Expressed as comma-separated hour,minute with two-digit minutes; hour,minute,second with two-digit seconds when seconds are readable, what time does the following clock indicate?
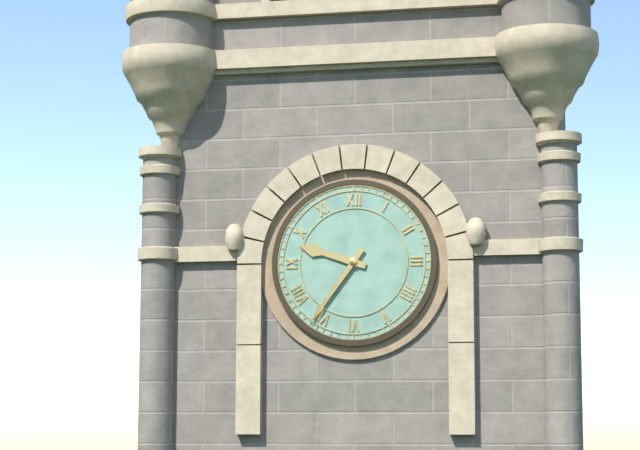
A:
9,36
